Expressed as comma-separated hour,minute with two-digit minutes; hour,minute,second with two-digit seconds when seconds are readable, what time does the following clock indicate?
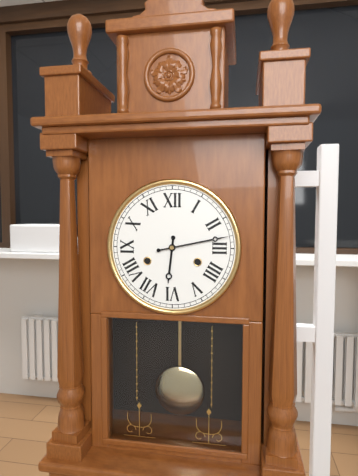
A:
6,13
